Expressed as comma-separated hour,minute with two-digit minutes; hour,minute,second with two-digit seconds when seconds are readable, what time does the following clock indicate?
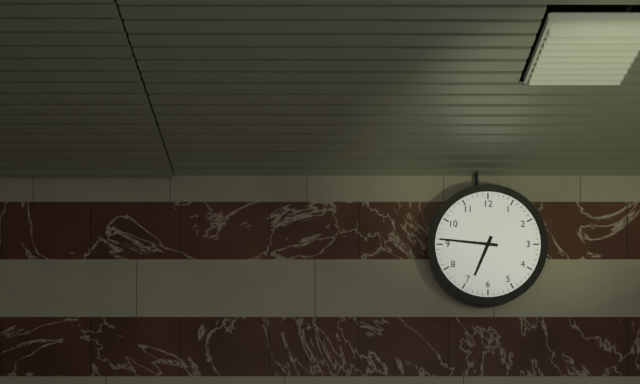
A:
6,46
